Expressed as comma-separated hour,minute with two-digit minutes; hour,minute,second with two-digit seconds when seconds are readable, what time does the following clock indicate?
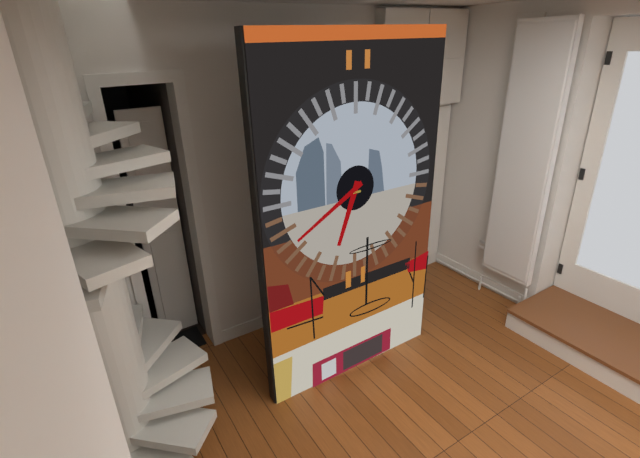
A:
6,40
